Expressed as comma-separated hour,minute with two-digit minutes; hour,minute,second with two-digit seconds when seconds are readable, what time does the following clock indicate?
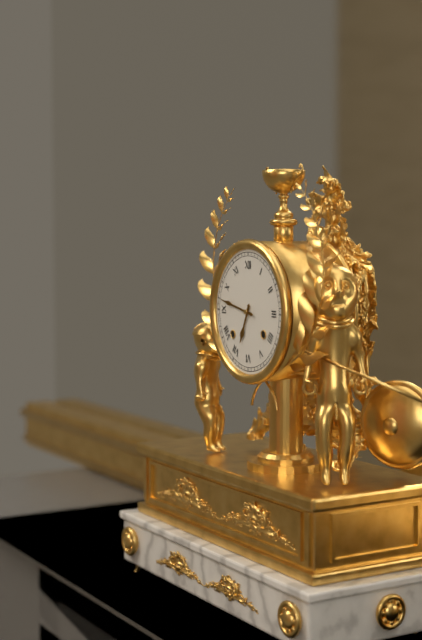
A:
6,47
